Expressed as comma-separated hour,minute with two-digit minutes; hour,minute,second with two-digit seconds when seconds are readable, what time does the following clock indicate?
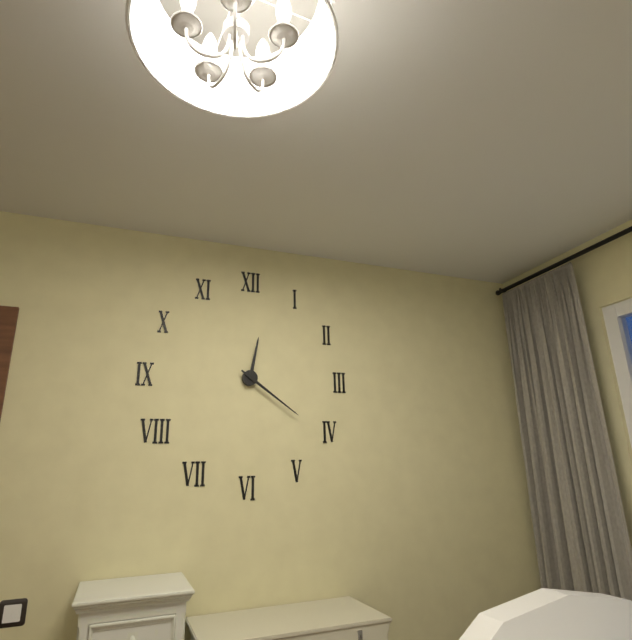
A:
12,21
